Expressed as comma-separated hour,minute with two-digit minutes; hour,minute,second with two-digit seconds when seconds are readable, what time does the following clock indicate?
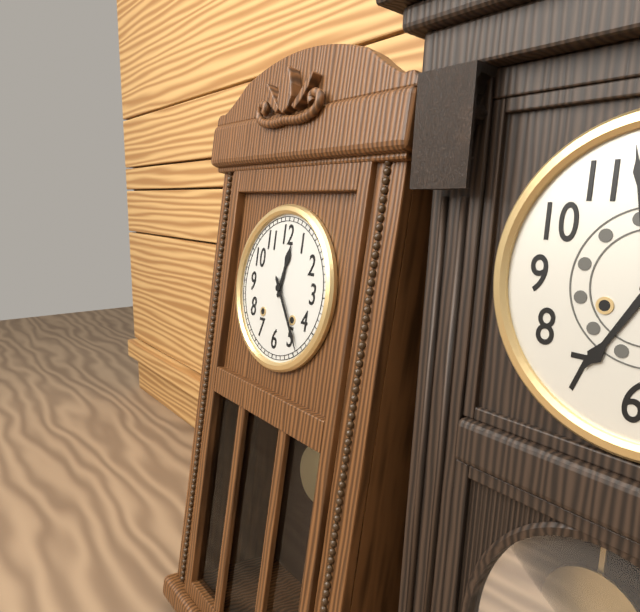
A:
12,24
